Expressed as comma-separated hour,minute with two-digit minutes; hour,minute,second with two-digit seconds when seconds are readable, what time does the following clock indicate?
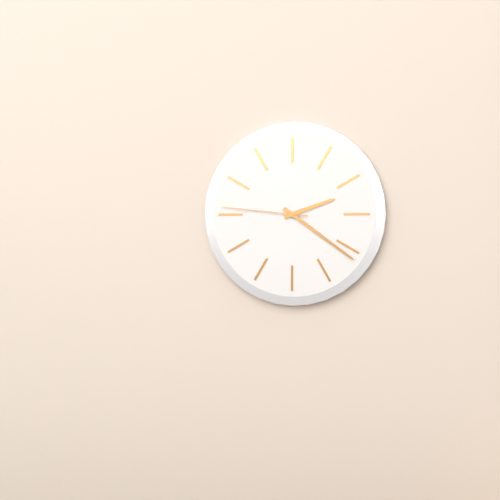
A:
2,21,46
